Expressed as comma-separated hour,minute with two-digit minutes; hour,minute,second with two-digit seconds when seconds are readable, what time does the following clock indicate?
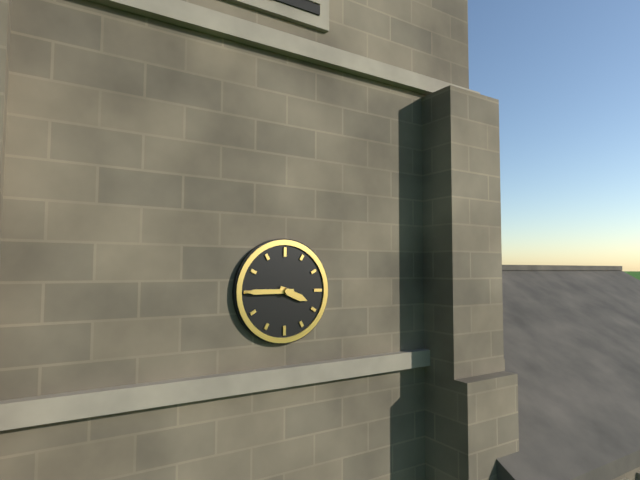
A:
3,45
